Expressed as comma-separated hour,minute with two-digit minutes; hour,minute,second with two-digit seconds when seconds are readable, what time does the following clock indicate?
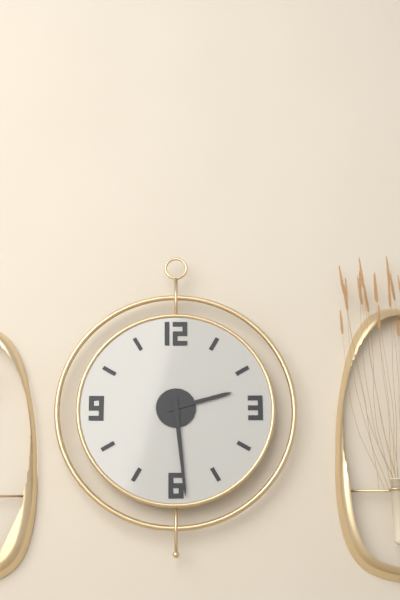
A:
2,29
